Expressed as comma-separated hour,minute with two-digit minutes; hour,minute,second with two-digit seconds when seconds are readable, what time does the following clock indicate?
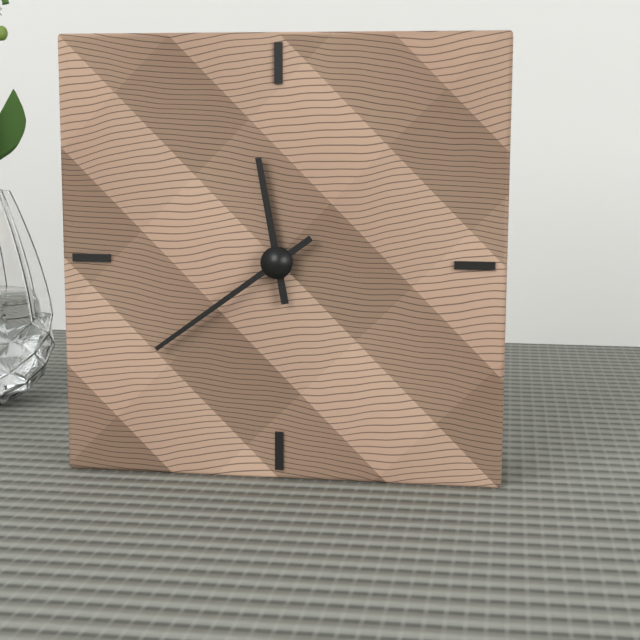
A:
11,39
